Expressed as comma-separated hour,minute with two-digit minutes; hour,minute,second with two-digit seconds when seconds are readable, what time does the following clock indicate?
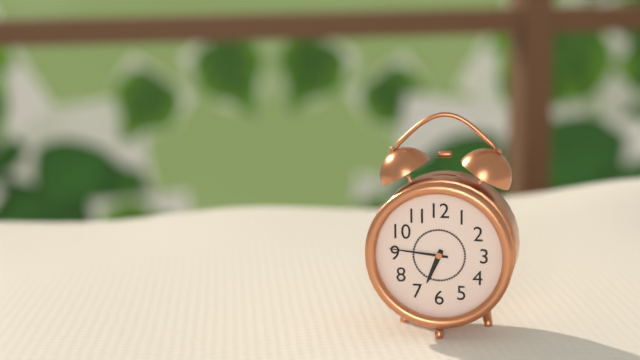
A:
6,46
